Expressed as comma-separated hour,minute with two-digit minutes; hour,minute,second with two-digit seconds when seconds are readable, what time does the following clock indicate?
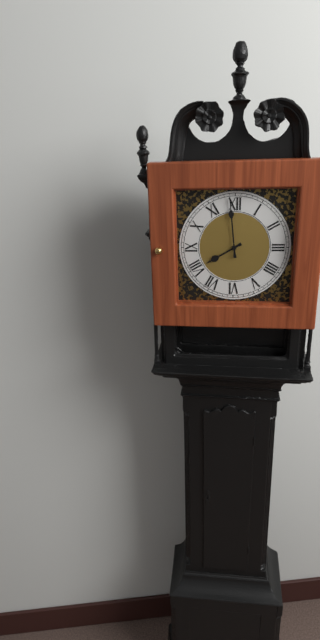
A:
7,59
